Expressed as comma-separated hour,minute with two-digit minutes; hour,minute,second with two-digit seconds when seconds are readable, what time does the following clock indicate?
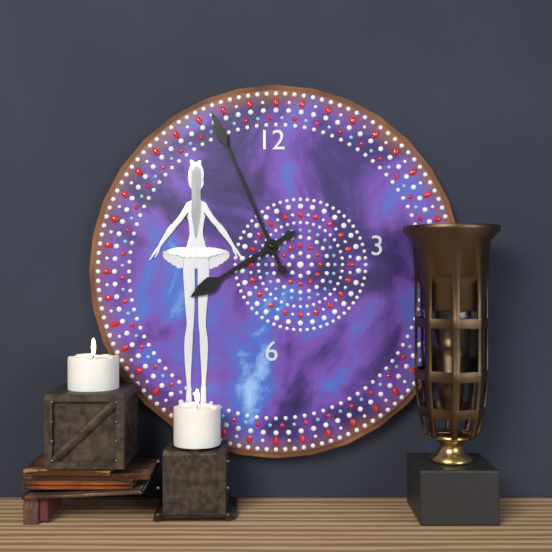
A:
7,56
